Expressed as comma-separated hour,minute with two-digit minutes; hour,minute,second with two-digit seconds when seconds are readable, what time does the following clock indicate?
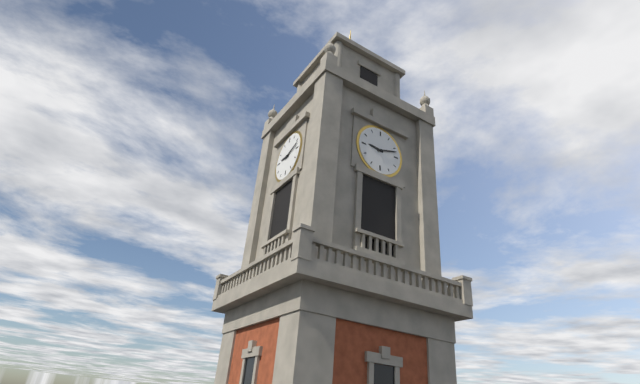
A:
9,12
